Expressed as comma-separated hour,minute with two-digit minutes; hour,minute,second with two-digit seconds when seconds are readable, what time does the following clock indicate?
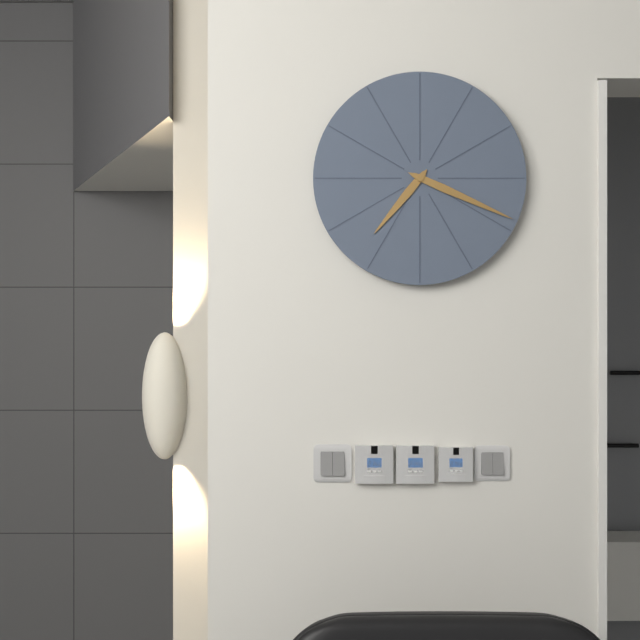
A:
7,19
